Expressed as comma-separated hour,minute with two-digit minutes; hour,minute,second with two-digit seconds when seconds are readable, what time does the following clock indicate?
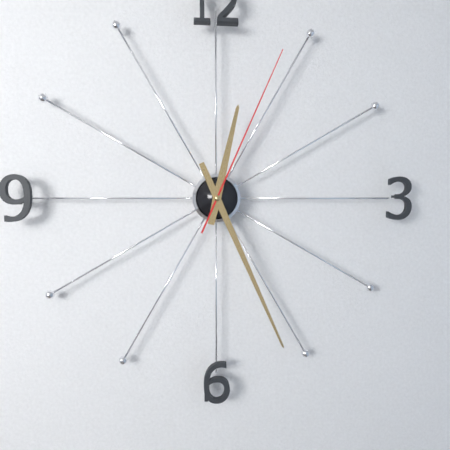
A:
12,26,04
